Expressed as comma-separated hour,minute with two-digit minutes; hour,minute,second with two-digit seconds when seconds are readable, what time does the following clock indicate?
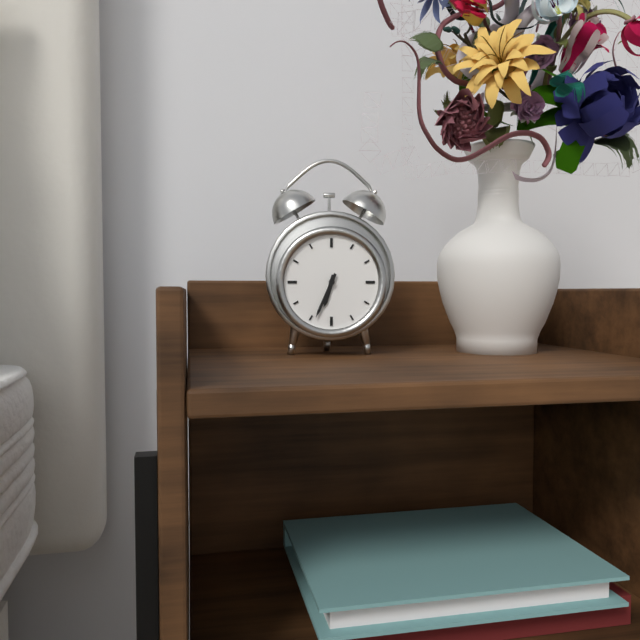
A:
6,34
